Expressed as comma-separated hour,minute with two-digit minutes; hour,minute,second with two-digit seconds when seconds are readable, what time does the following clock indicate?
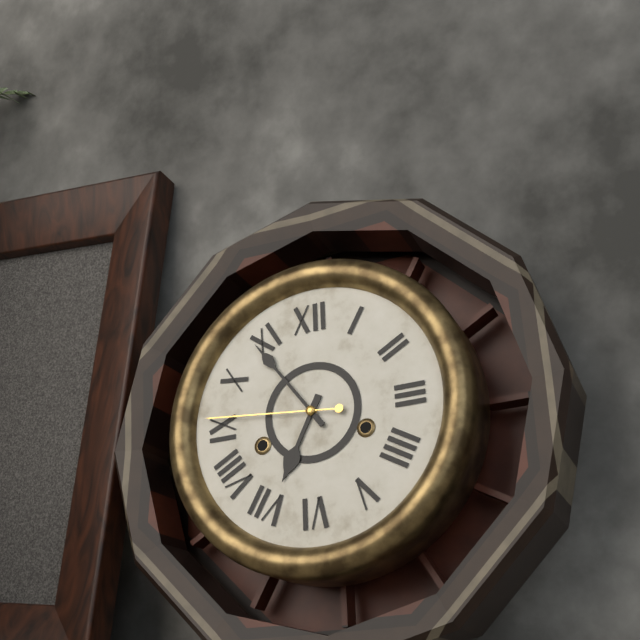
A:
6,54,46
